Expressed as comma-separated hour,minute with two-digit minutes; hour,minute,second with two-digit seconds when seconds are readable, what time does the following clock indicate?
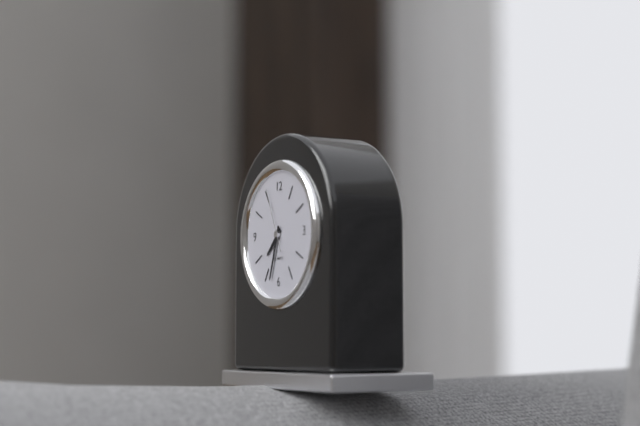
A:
7,33,56
